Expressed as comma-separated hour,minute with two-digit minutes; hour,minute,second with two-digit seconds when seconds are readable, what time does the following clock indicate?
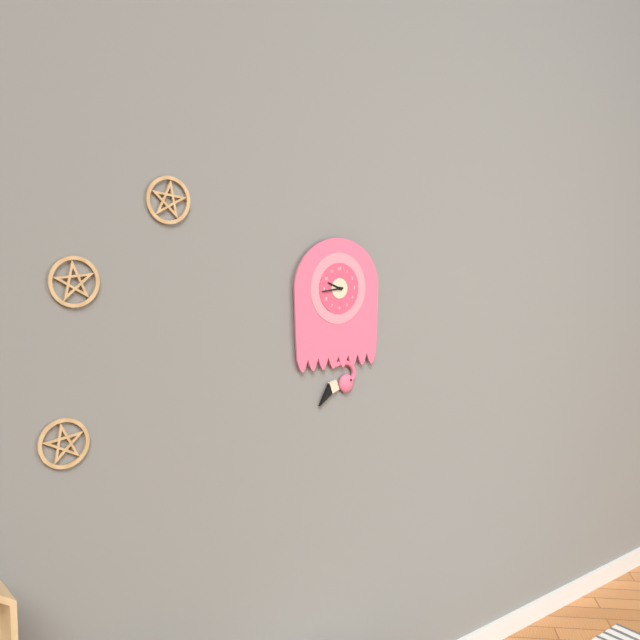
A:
9,44
